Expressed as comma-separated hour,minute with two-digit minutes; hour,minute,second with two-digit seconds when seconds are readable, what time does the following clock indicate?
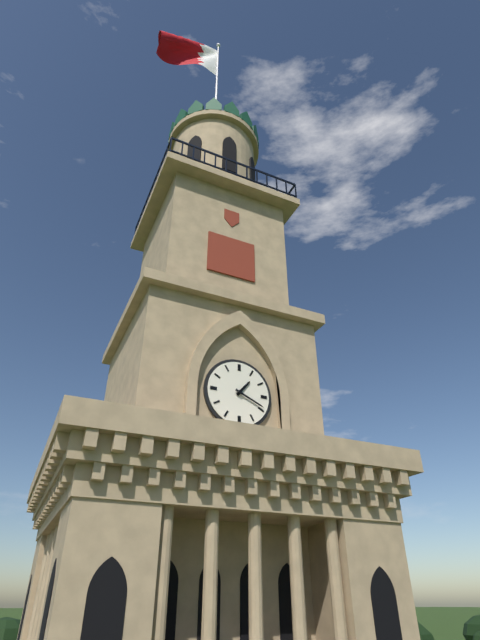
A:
1,19
